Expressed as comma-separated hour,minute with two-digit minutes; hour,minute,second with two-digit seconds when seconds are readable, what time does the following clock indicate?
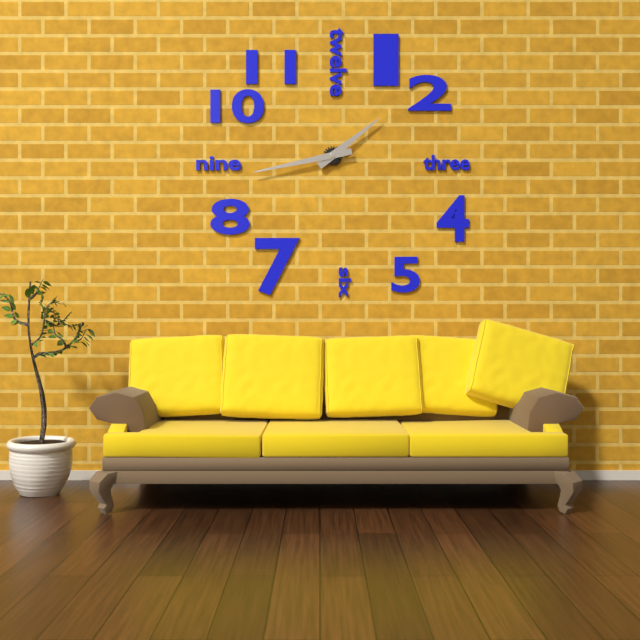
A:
1,43
